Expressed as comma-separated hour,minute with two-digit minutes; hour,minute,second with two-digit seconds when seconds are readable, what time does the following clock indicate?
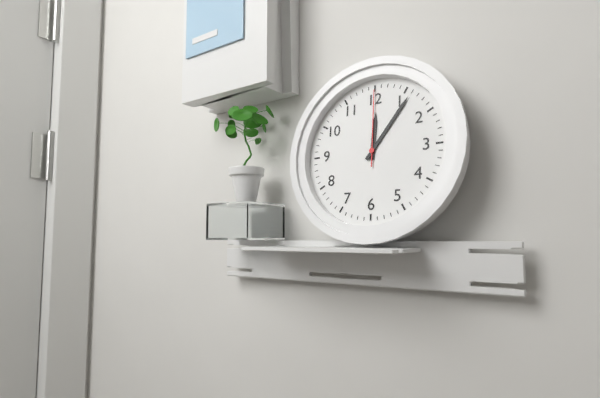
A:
12,06,00
